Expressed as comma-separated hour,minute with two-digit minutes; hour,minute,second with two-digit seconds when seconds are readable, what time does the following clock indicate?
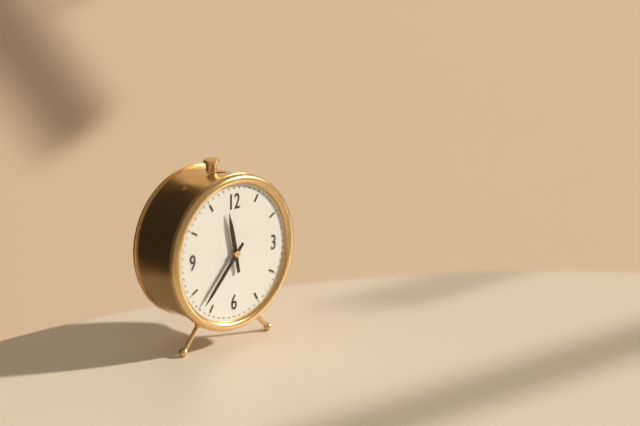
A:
11,37
